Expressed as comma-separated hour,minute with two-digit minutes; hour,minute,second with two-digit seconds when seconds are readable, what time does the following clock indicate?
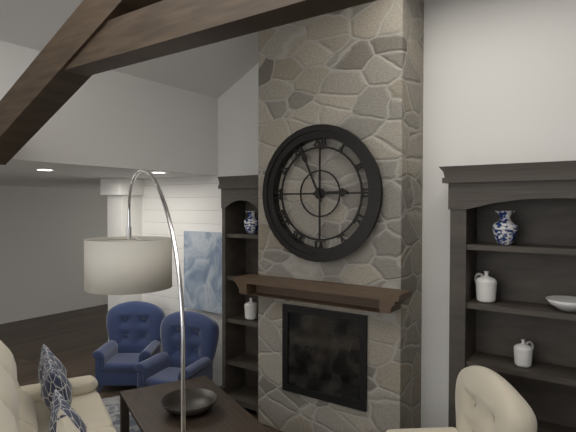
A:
2,56
